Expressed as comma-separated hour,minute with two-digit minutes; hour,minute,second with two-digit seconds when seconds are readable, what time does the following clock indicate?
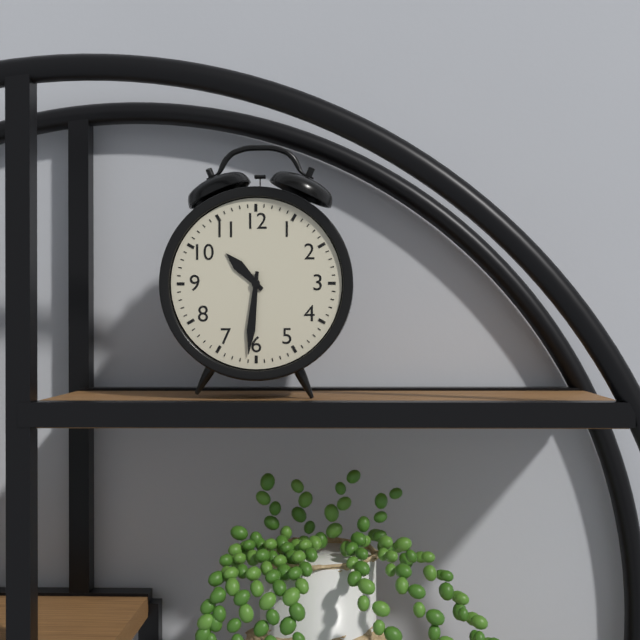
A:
10,31
